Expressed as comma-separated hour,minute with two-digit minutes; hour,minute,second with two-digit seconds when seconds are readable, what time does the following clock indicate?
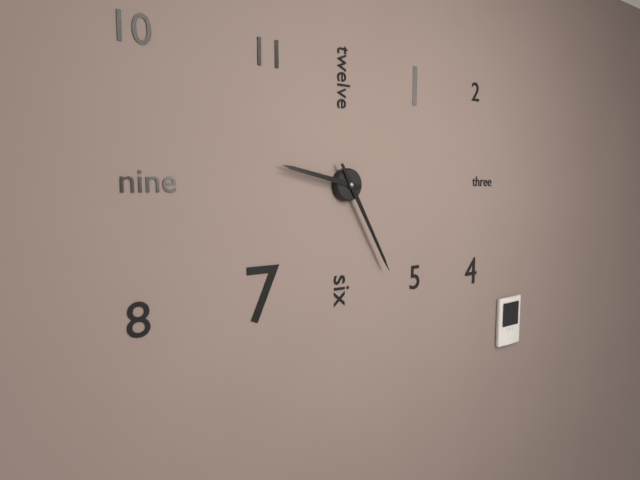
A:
9,25
